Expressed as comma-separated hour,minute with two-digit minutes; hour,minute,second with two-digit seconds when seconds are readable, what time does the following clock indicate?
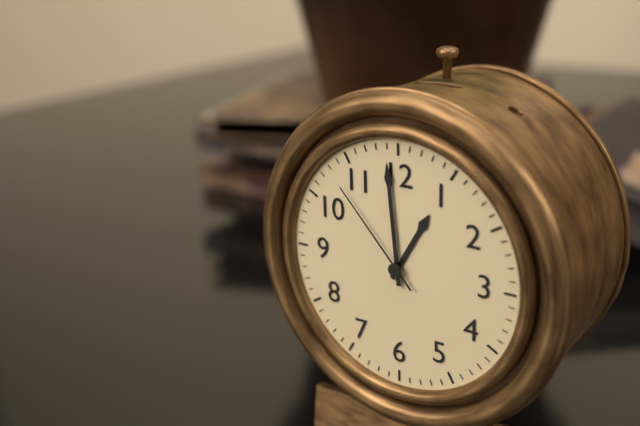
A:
12,59,53
